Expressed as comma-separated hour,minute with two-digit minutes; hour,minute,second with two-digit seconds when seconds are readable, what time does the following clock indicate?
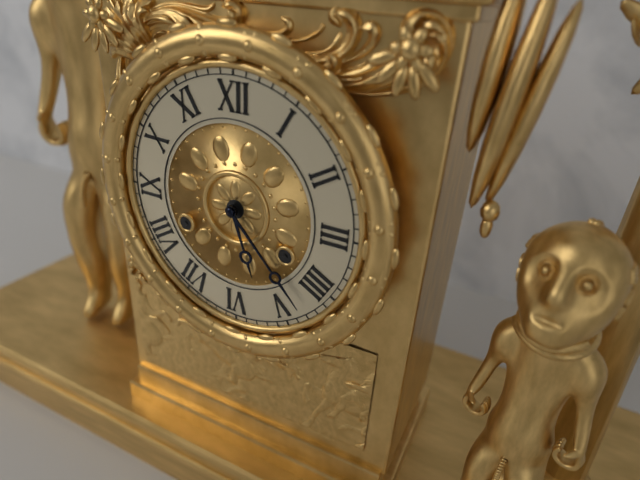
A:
5,23
